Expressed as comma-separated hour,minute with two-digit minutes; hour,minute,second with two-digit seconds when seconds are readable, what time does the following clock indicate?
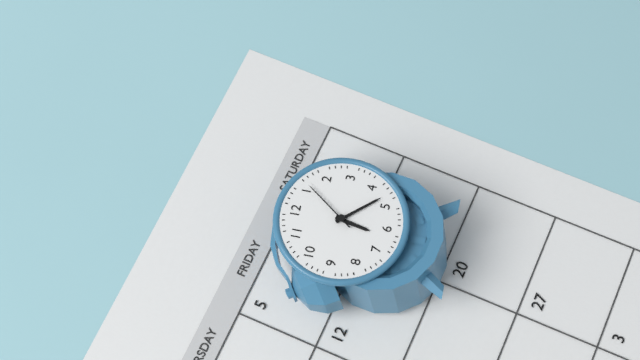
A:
6,23,06
